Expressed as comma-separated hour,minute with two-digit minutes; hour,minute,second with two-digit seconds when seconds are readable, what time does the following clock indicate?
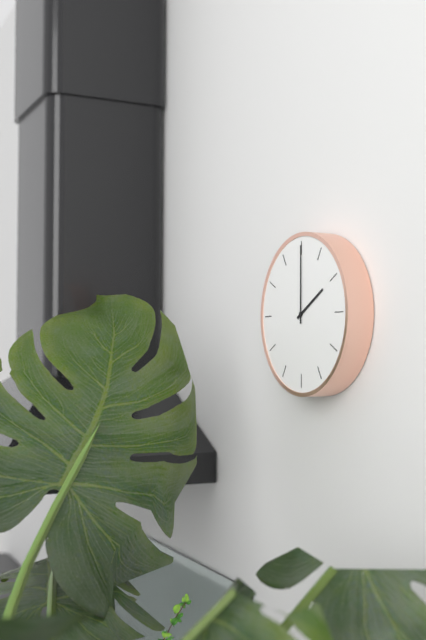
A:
2,00
